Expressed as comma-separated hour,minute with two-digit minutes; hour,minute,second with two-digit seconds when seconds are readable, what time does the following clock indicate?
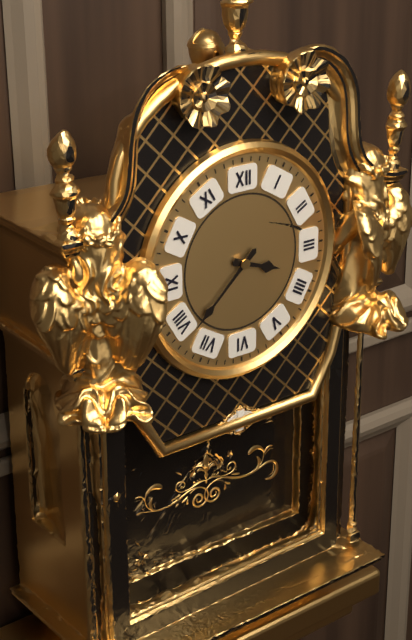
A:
3,38
